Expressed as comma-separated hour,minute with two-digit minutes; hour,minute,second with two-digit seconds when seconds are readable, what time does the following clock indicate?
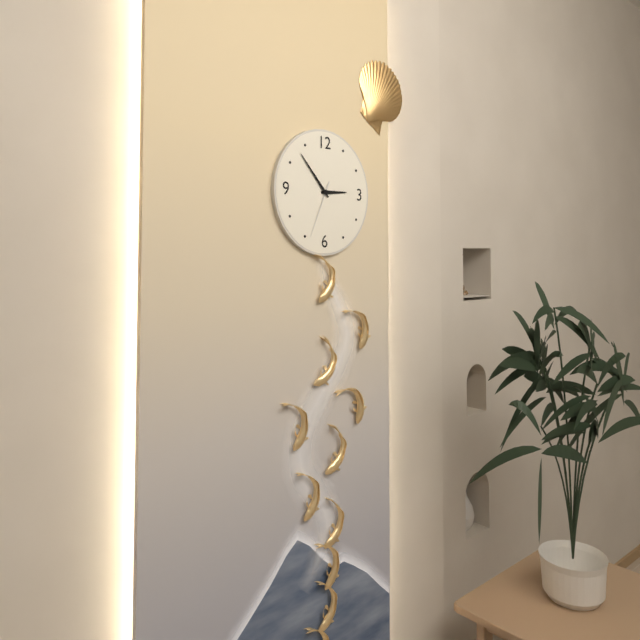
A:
2,53,34
